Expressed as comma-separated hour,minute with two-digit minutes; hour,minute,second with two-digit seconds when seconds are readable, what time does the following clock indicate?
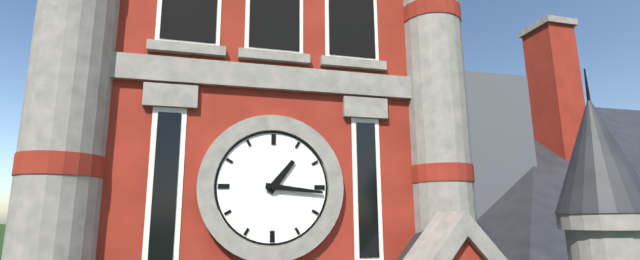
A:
1,16
